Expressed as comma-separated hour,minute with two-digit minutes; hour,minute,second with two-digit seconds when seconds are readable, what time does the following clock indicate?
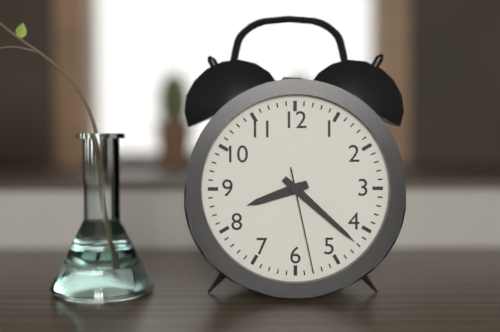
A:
8,22,28
